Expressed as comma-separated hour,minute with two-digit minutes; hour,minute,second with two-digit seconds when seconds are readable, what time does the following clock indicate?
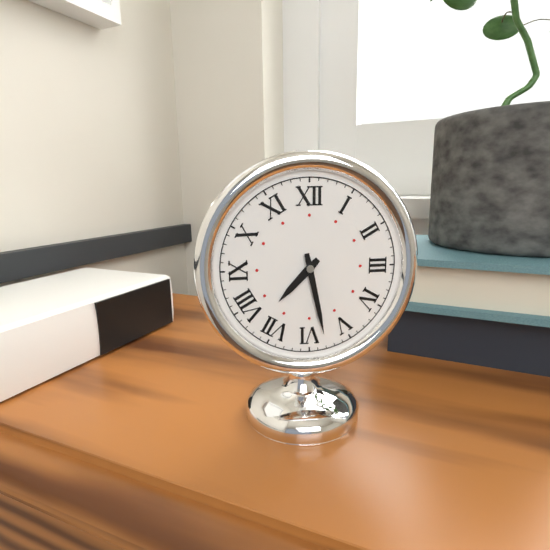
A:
7,28
